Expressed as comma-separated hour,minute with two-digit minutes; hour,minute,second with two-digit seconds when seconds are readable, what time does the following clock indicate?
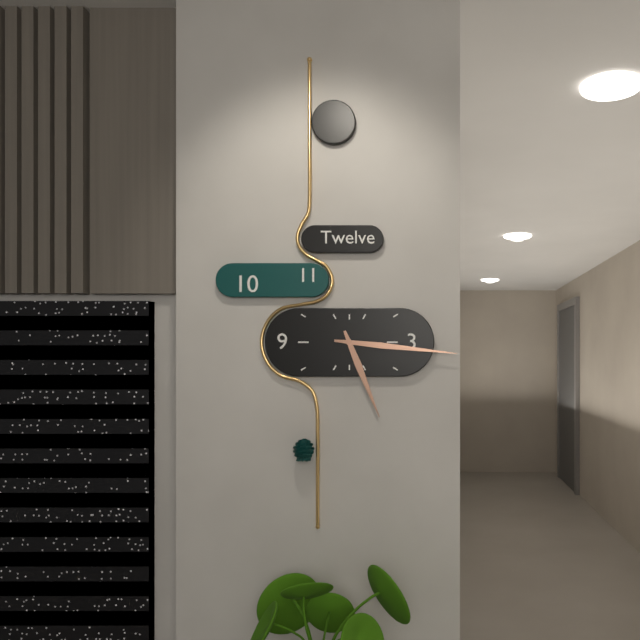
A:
5,16
